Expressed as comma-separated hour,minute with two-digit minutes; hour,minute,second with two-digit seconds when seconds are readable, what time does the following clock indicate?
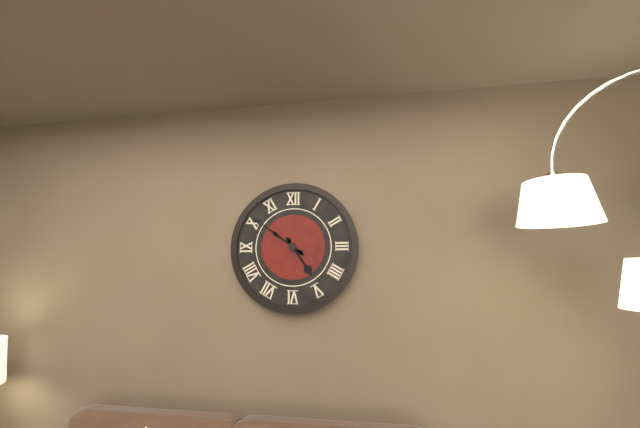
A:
4,51
